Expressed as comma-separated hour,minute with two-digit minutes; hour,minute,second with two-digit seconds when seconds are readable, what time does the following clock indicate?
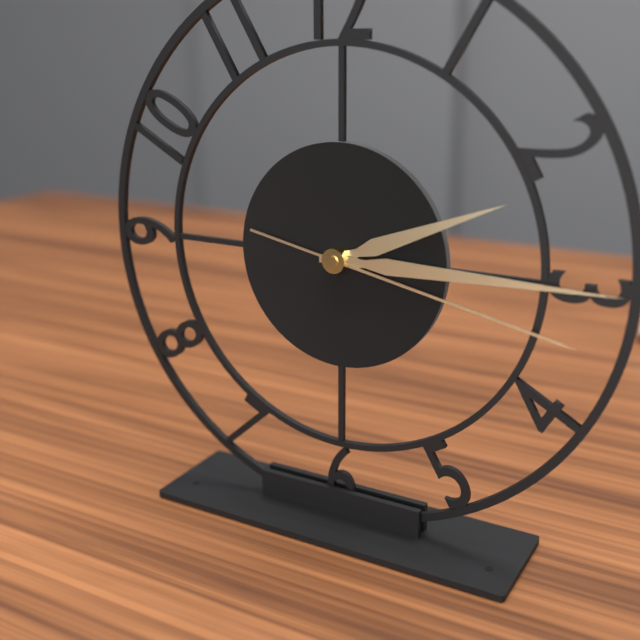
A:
2,15,17
